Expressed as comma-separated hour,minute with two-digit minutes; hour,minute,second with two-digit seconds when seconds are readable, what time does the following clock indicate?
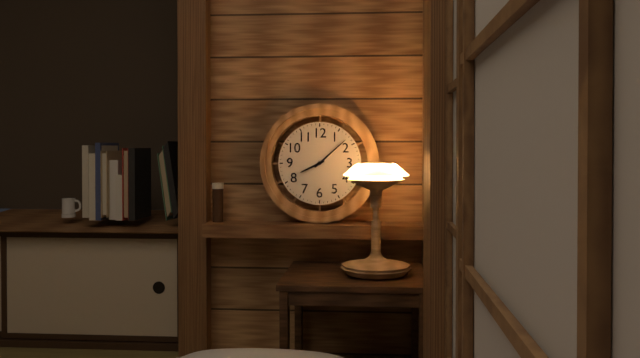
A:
8,08
